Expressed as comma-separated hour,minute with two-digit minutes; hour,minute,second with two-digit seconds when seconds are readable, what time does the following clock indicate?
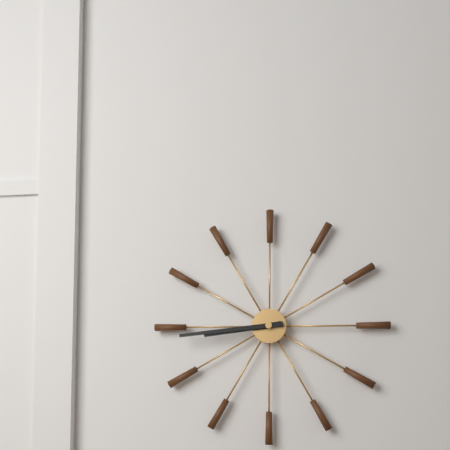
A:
8,44
